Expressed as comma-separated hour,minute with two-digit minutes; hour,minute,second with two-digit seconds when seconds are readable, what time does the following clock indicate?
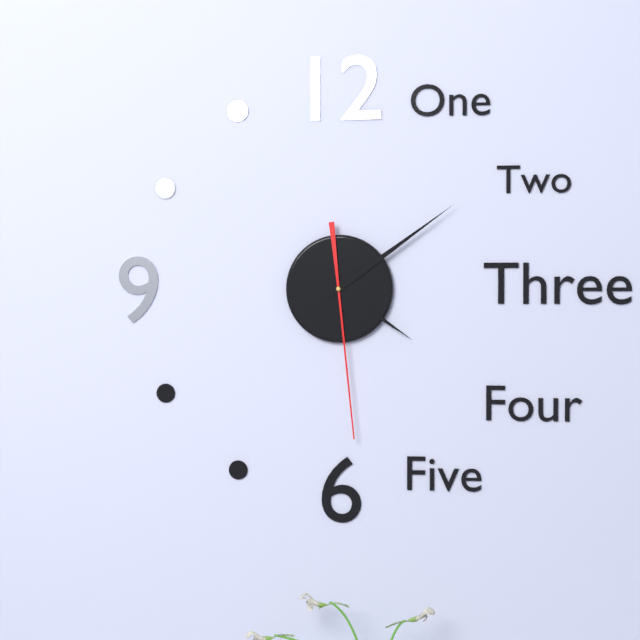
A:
4,09,29
